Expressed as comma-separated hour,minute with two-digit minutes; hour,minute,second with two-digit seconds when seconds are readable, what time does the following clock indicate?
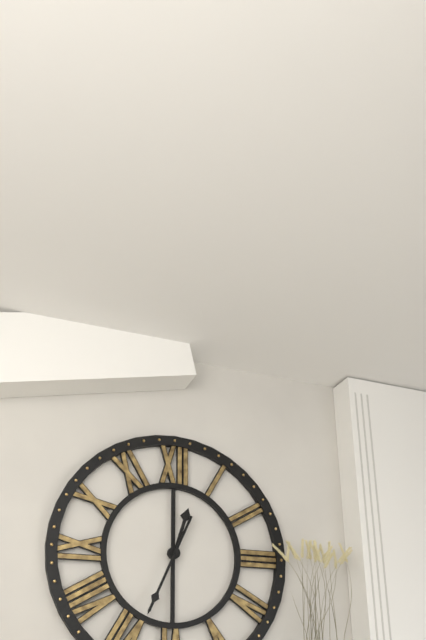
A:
12,34
